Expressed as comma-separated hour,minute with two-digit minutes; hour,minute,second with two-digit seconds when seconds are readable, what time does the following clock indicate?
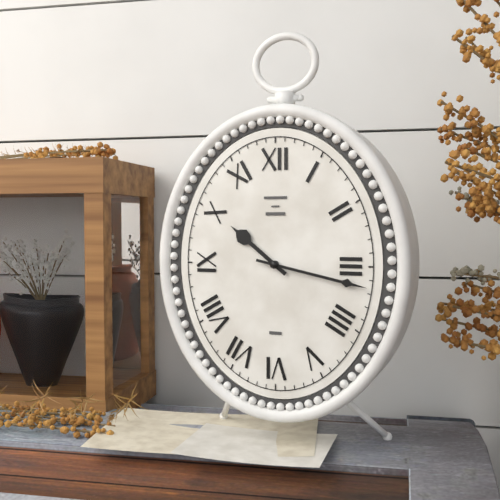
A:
10,17
